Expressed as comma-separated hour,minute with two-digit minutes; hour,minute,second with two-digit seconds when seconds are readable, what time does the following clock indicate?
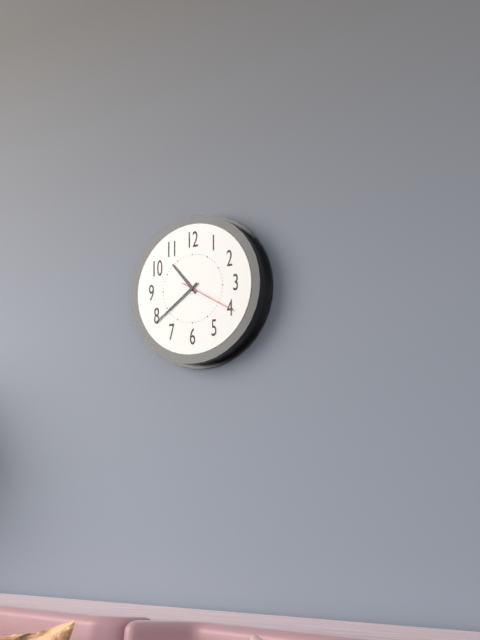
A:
10,39,20
